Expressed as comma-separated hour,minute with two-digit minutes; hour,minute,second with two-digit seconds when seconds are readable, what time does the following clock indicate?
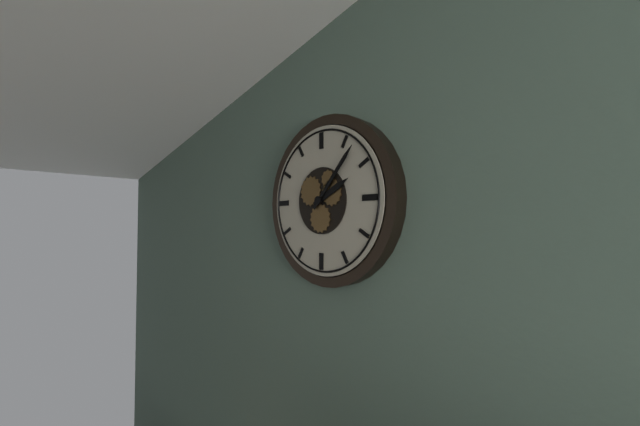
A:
2,07
